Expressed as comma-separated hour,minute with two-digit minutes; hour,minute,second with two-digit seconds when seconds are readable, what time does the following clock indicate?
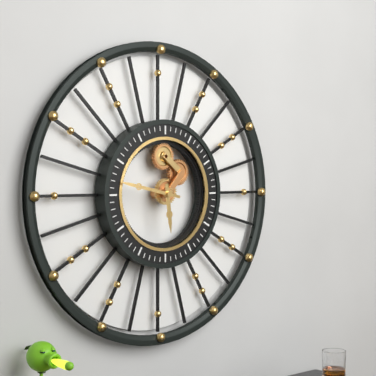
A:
5,47
